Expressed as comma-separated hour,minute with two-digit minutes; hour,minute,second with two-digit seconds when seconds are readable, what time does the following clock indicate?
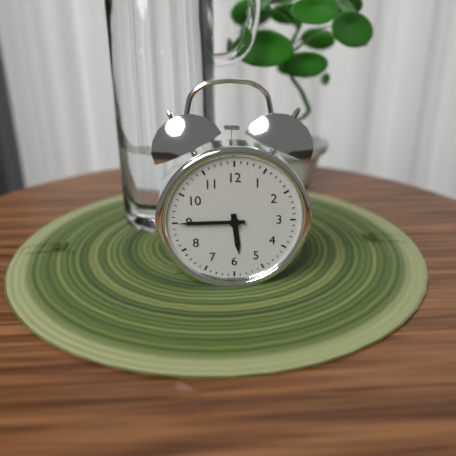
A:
5,45
